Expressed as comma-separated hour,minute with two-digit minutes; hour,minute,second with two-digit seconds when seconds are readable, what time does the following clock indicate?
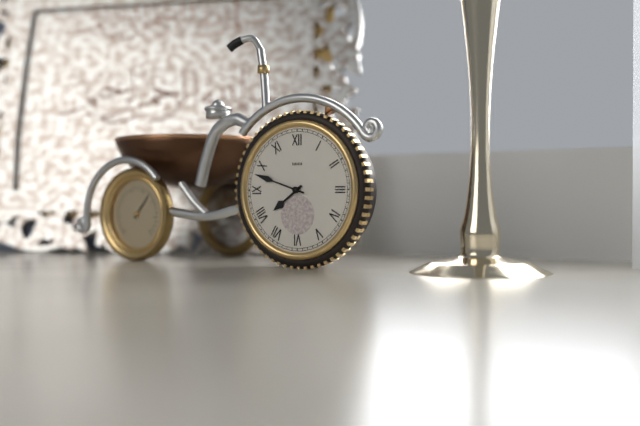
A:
7,48
